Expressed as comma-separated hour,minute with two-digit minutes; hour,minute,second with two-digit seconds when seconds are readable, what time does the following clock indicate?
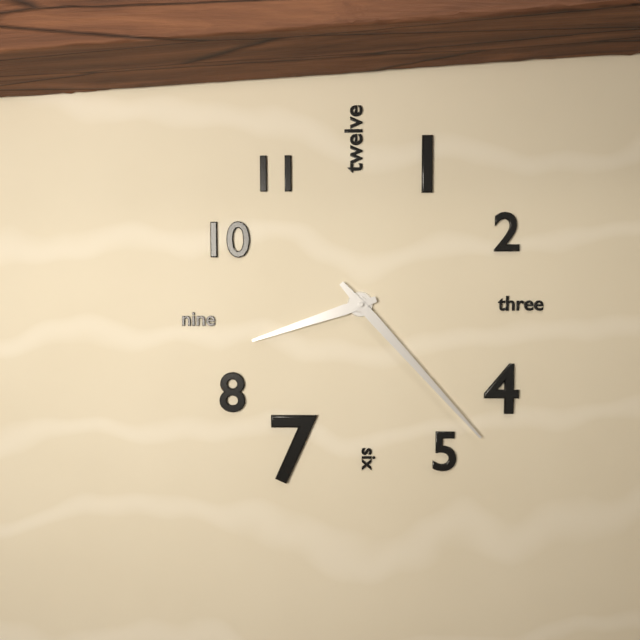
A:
8,23
